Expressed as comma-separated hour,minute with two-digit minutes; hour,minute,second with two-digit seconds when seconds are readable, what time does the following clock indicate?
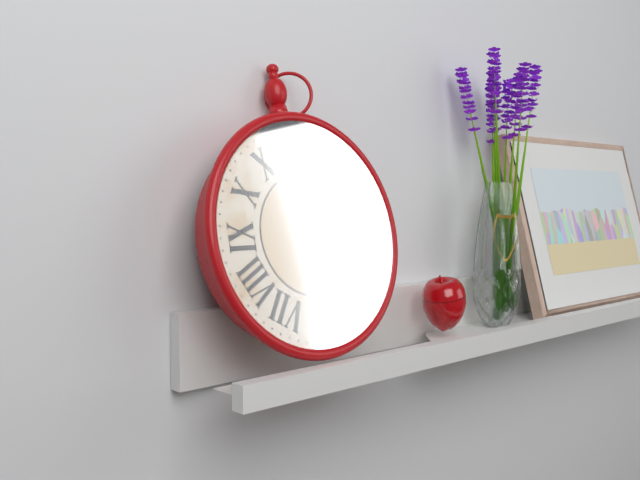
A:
1,29
